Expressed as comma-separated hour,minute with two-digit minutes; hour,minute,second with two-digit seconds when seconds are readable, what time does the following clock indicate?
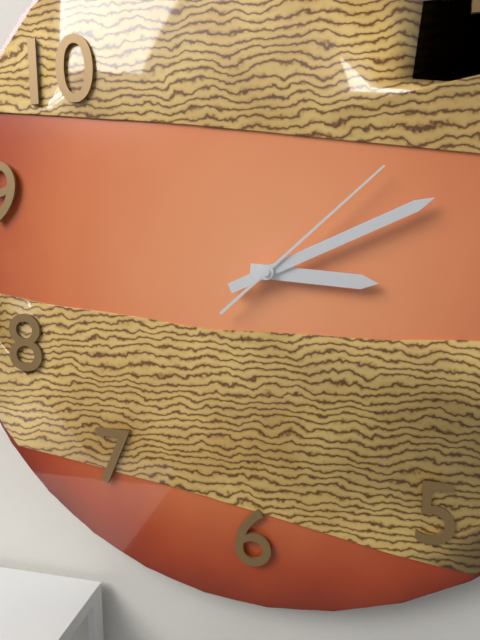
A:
3,11,08
